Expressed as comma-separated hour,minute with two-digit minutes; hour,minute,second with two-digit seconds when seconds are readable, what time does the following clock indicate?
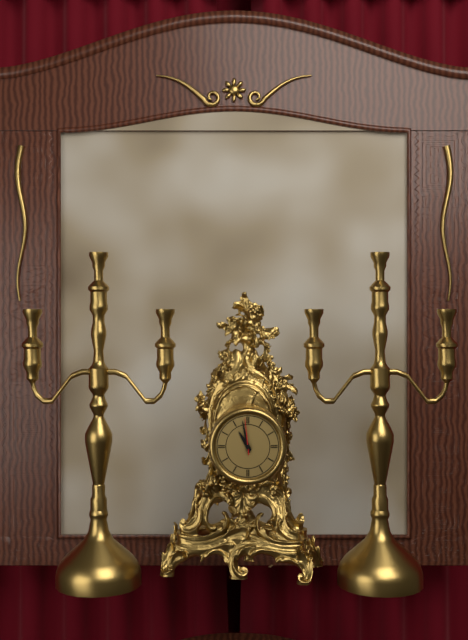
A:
10,58
